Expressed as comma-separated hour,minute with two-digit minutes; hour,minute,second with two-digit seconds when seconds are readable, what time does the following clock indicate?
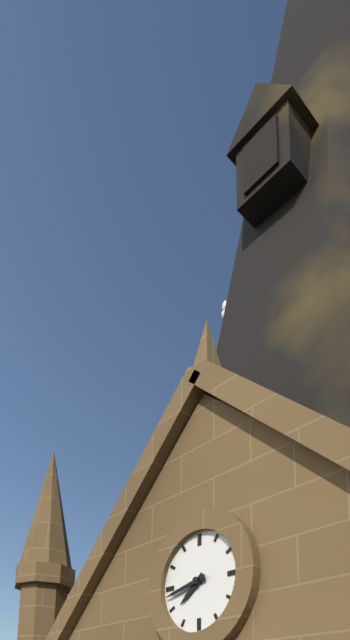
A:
7,43
